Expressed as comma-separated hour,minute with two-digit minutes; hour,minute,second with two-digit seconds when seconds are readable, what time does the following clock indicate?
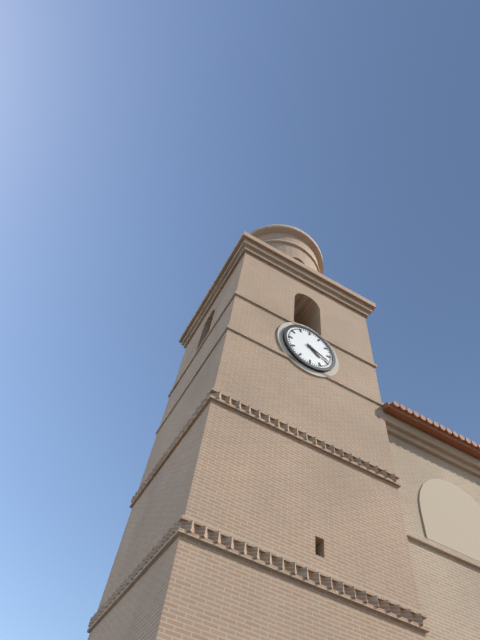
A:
4,19
